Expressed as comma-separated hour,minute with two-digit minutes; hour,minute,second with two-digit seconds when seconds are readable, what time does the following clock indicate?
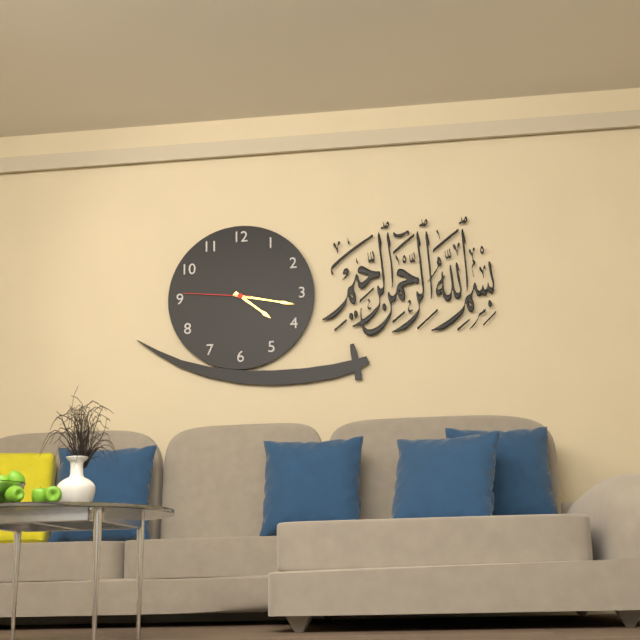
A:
4,17,46
